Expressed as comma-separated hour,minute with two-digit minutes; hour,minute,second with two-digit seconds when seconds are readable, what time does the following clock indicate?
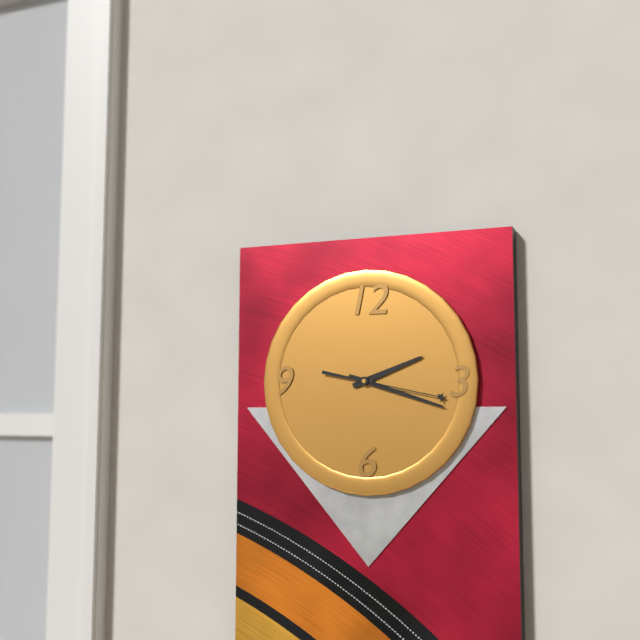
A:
2,18,17
